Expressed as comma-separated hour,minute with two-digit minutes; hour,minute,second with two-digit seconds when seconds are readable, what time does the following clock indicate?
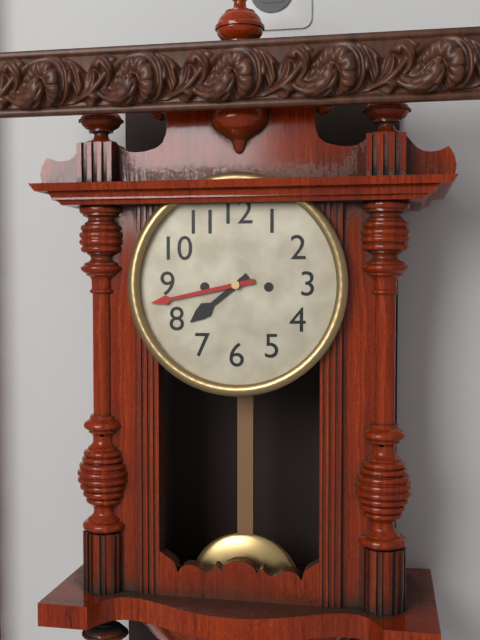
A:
7,43
